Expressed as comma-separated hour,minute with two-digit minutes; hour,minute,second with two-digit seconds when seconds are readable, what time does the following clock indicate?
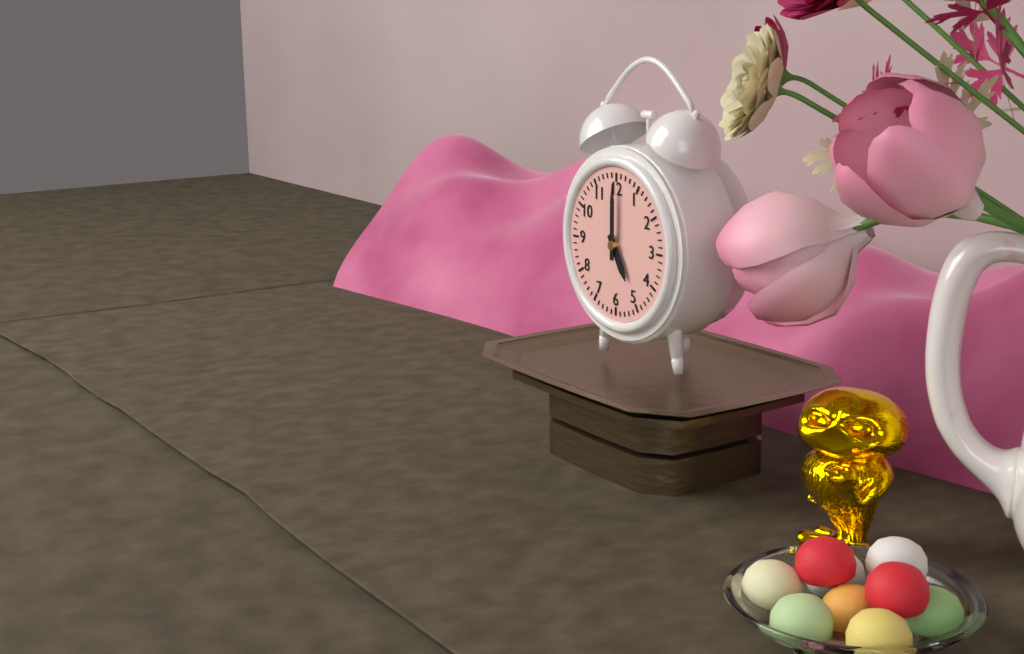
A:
5,00
